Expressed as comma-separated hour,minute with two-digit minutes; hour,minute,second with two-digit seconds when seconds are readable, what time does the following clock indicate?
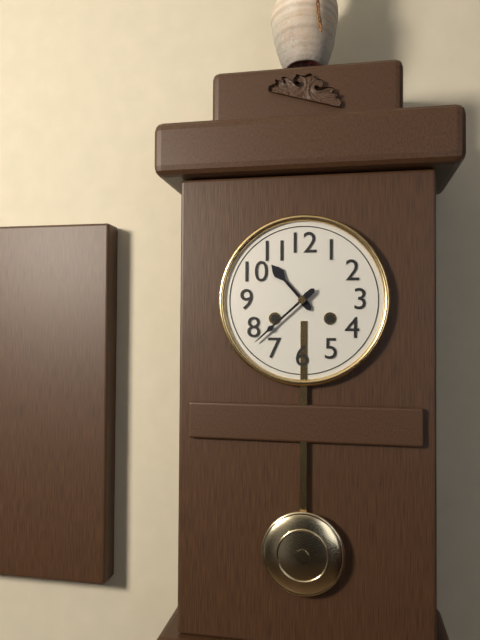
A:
10,38
